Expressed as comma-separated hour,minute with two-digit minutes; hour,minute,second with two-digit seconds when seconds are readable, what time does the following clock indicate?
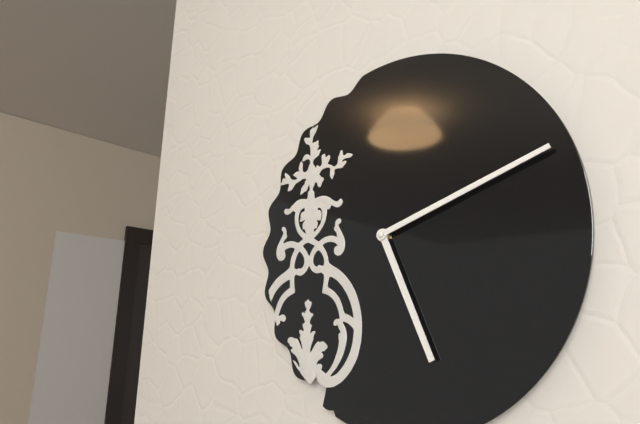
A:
5,12
